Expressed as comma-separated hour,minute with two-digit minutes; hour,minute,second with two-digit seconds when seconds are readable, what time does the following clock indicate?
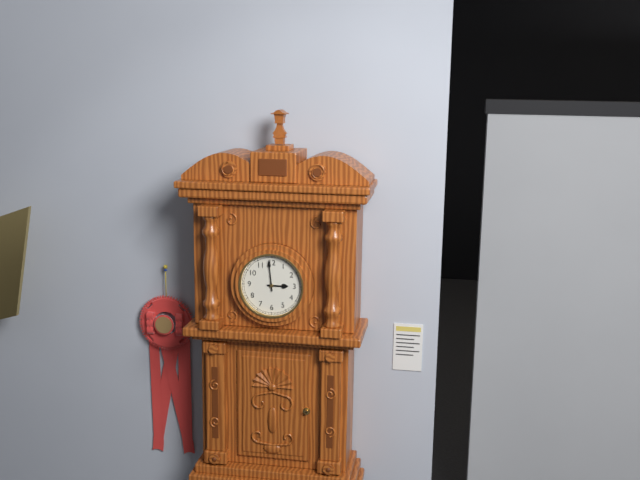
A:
2,59
